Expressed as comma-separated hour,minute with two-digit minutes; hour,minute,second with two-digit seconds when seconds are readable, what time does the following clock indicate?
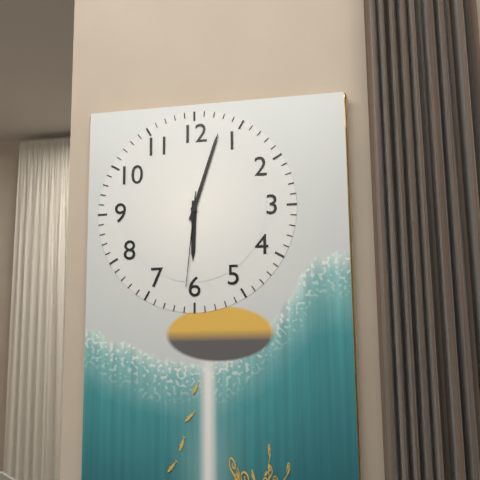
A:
6,03,31
